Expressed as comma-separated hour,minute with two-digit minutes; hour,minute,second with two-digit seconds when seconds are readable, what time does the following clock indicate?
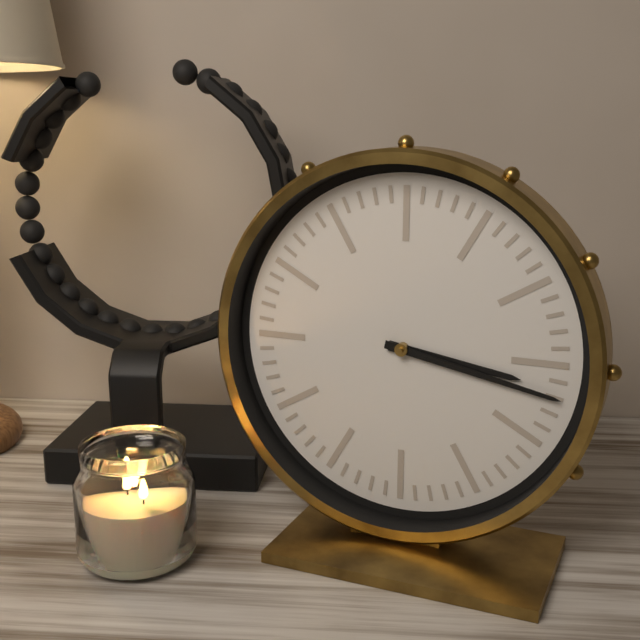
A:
3,17
